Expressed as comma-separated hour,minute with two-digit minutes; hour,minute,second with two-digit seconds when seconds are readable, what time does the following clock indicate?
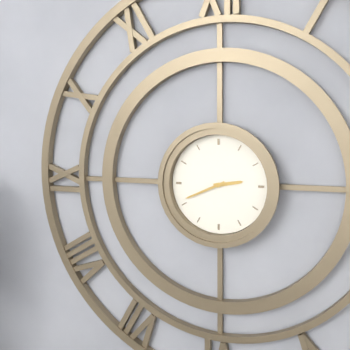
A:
2,41
